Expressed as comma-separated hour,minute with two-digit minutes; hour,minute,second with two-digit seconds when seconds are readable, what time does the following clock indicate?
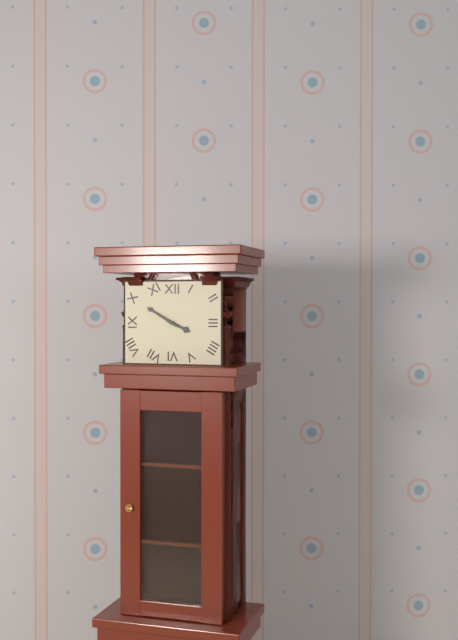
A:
3,50
